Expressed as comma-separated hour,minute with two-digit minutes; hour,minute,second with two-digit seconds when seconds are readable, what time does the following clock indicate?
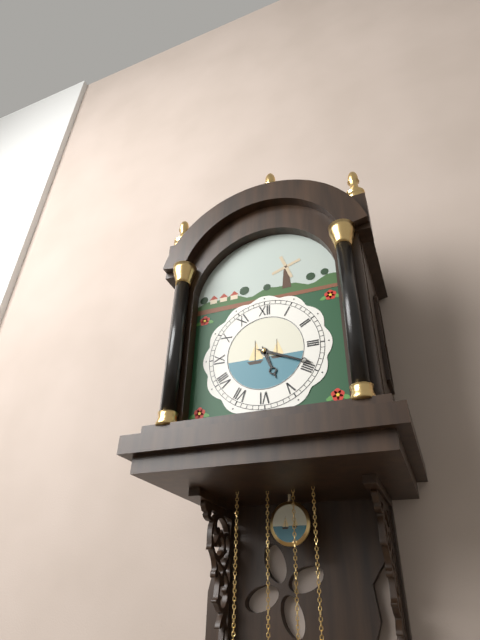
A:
5,19
